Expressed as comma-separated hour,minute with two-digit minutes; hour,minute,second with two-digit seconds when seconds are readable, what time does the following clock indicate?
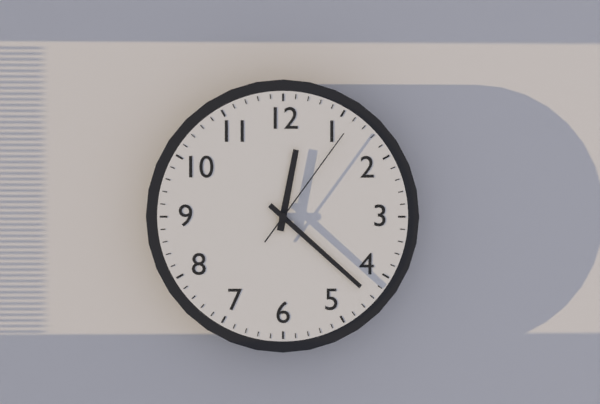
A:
12,22,06
